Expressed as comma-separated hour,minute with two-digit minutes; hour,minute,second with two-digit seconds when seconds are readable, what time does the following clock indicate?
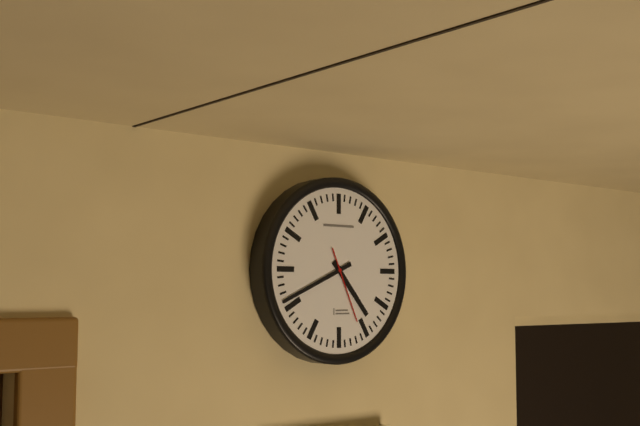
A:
4,41,26
